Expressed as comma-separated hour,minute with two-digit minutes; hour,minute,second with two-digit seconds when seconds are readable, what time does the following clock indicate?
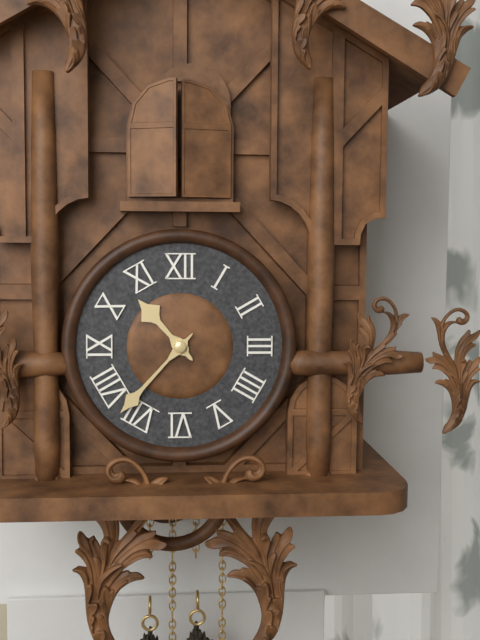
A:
10,37
